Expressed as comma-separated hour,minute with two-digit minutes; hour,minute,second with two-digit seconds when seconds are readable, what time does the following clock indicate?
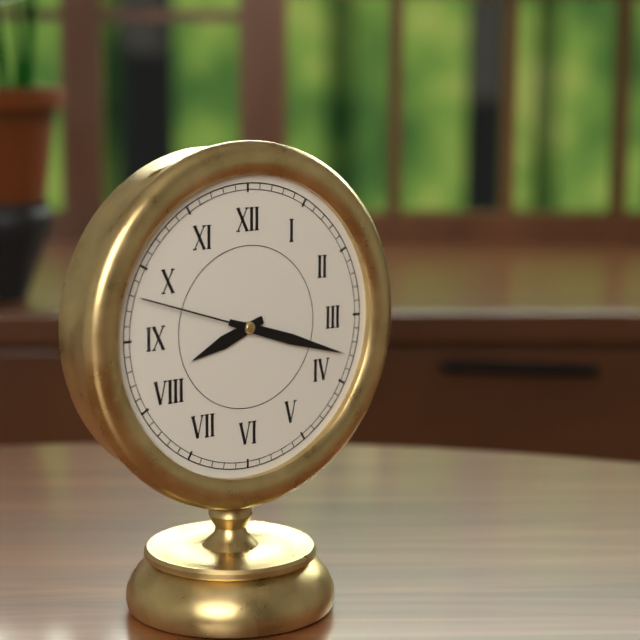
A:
8,18,48
